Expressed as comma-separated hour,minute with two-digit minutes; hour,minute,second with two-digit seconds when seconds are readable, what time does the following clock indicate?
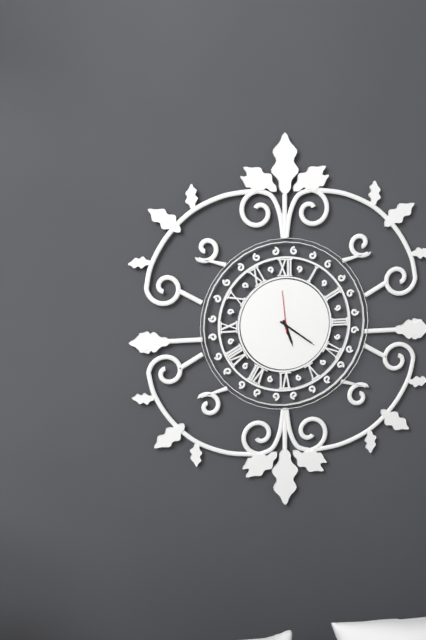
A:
5,21
